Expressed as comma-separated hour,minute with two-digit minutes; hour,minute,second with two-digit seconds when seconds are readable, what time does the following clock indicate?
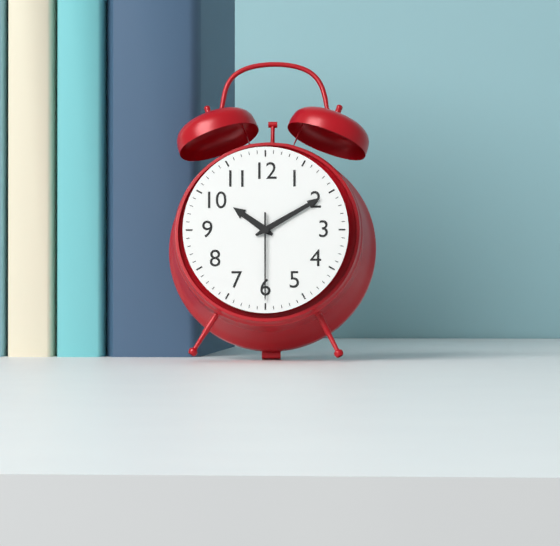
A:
10,10,30
